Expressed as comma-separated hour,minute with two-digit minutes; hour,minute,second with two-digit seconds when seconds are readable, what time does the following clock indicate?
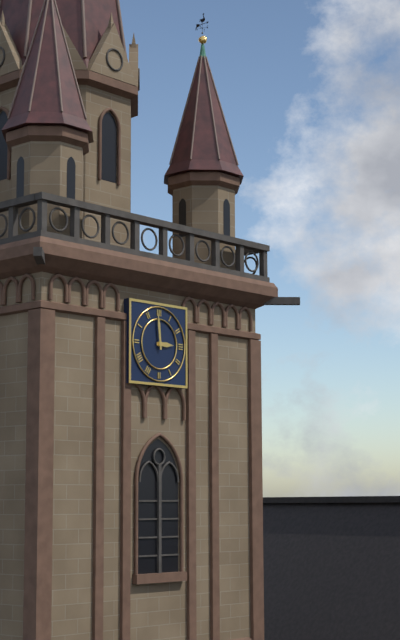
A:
2,59
